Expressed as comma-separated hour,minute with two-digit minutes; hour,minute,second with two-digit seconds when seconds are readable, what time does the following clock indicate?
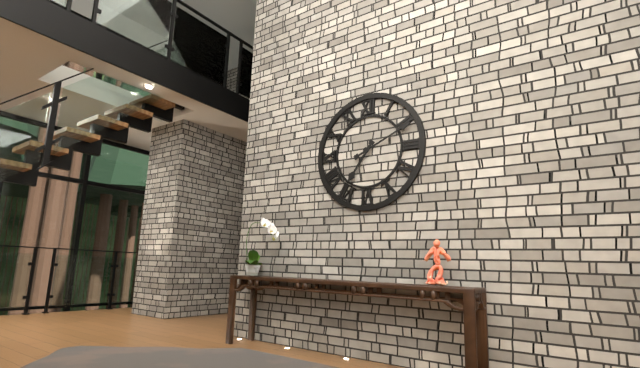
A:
7,11
